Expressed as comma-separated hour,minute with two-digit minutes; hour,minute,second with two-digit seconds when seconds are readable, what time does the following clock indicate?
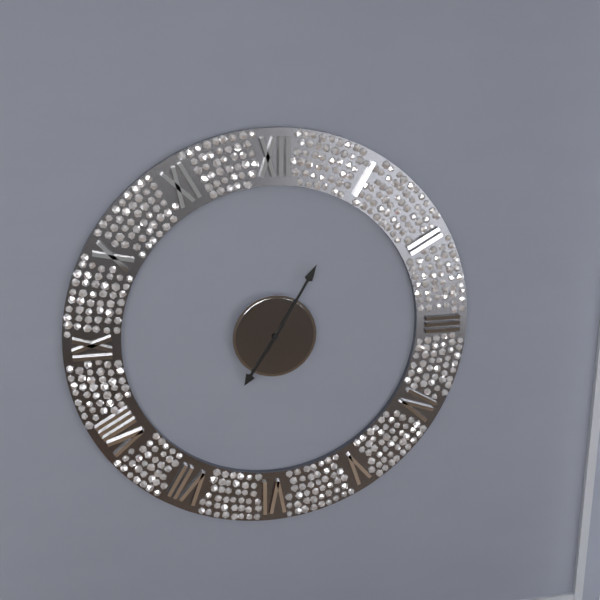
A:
7,05
